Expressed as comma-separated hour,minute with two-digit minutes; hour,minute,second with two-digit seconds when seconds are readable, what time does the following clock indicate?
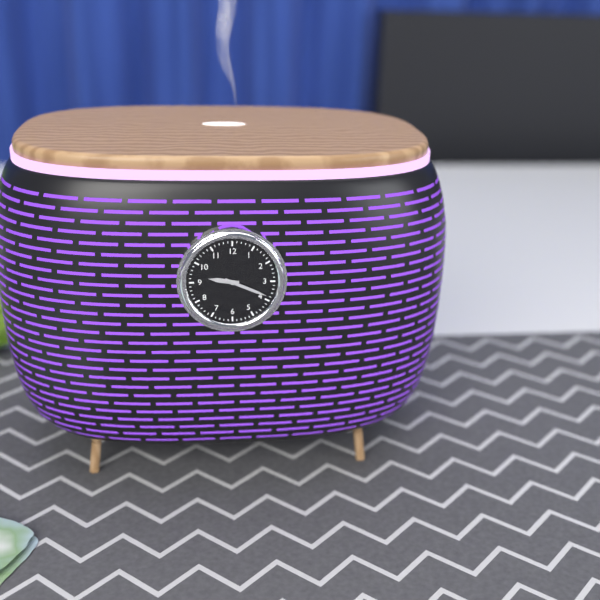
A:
9,19
